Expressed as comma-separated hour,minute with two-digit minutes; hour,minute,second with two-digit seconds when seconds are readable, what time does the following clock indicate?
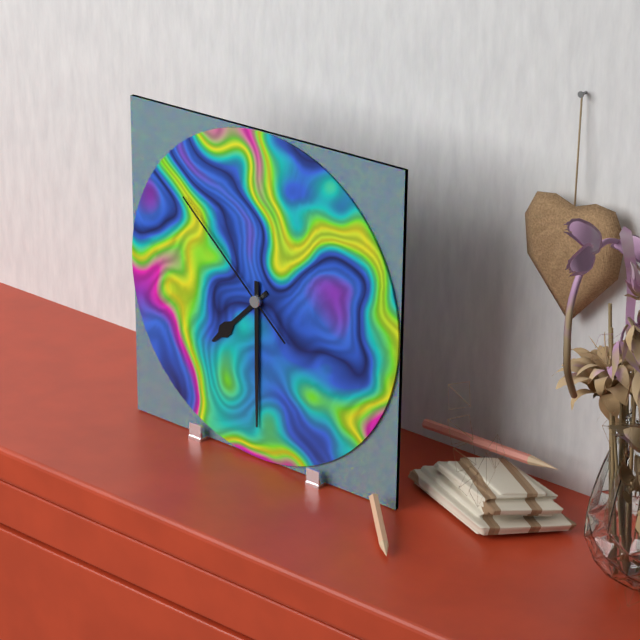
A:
7,30,52
